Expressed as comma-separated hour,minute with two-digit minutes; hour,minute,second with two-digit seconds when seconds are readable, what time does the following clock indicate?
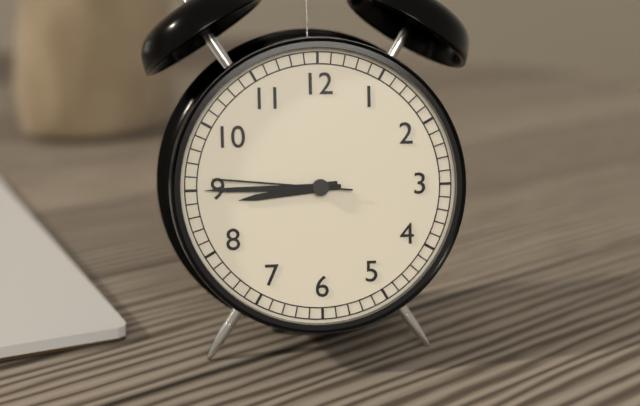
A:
8,45,46
